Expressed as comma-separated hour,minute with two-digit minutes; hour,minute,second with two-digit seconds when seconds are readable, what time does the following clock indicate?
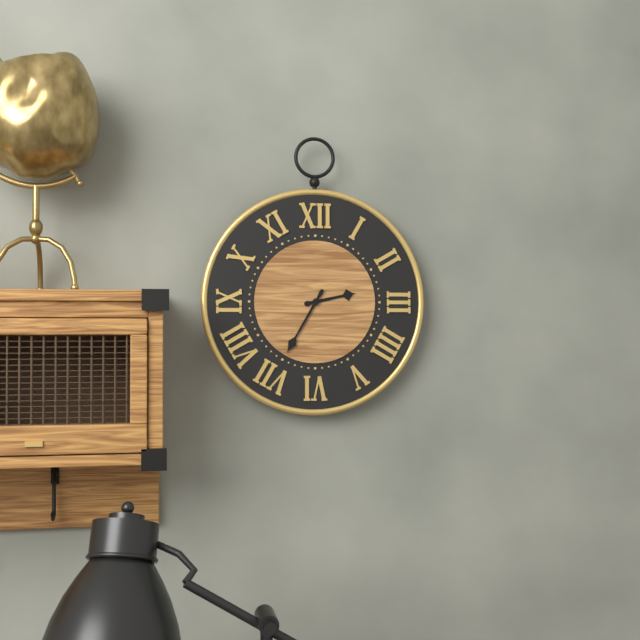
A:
2,35
